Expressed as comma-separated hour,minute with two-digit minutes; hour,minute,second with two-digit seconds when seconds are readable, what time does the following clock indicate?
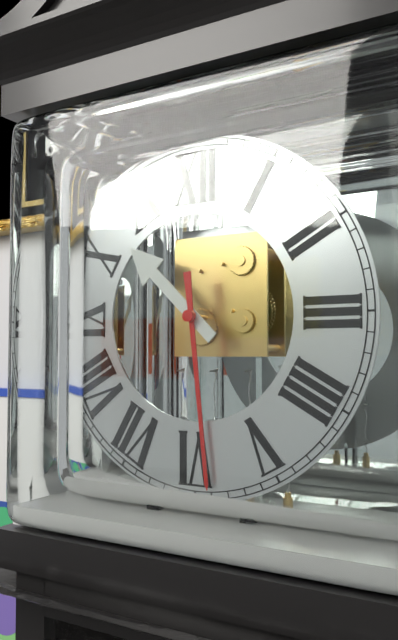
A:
10,29
